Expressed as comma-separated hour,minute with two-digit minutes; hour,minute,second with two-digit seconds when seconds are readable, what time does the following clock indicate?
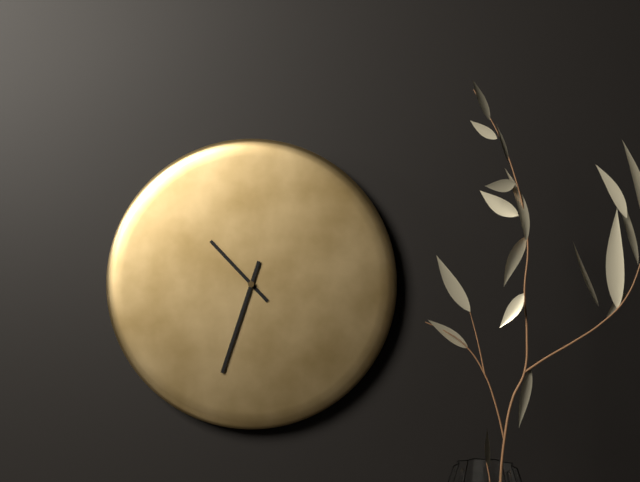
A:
10,33
